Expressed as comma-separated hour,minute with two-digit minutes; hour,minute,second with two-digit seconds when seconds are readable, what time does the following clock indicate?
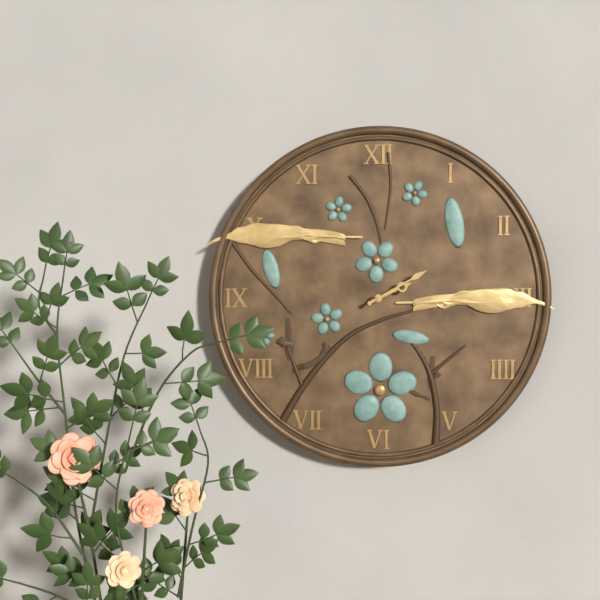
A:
2,10
